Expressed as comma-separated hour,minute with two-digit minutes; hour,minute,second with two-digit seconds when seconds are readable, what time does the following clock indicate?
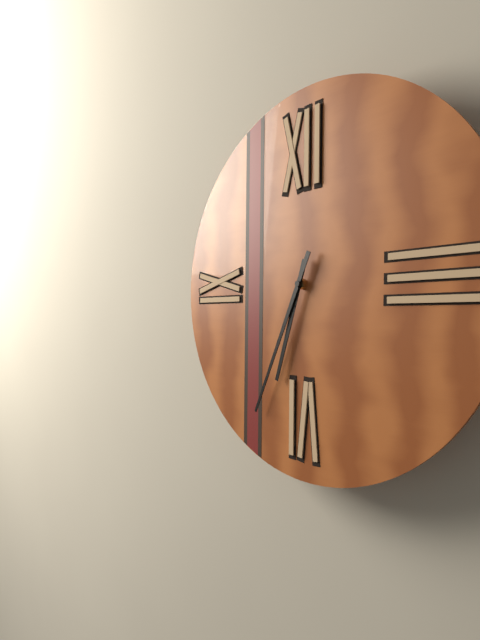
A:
6,34
